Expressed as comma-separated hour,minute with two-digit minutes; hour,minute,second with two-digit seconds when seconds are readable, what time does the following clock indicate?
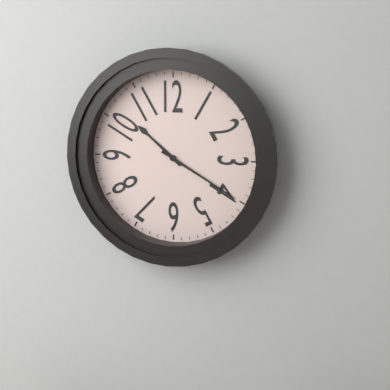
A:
10,20
